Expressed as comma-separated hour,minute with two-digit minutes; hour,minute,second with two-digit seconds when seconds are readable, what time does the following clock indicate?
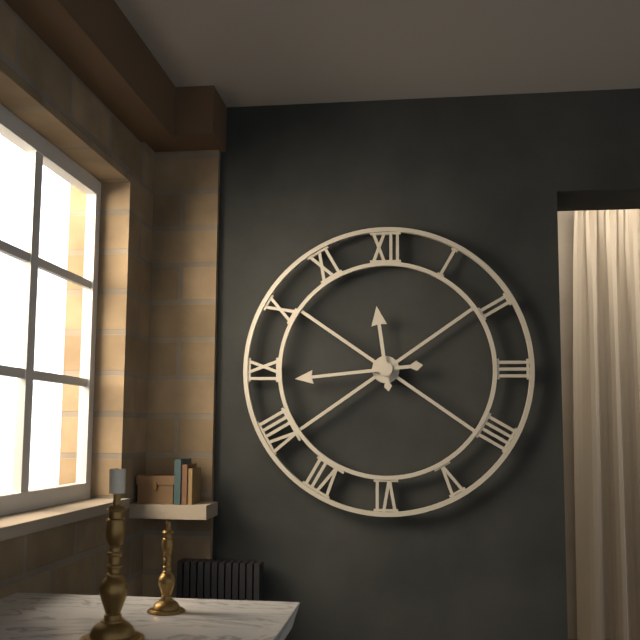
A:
11,44
